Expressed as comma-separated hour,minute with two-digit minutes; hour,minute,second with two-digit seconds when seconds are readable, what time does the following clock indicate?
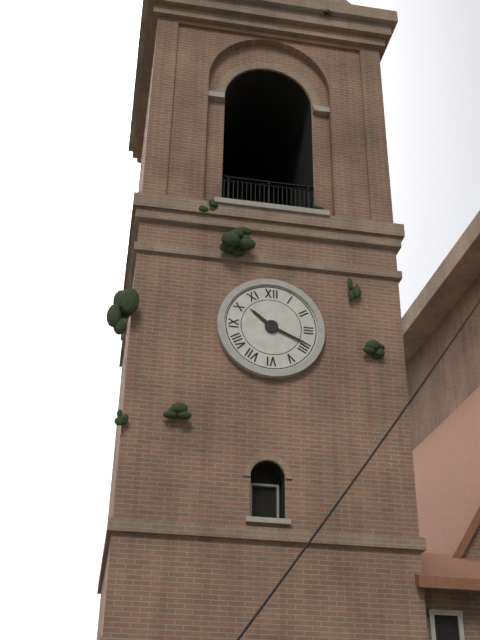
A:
10,19
